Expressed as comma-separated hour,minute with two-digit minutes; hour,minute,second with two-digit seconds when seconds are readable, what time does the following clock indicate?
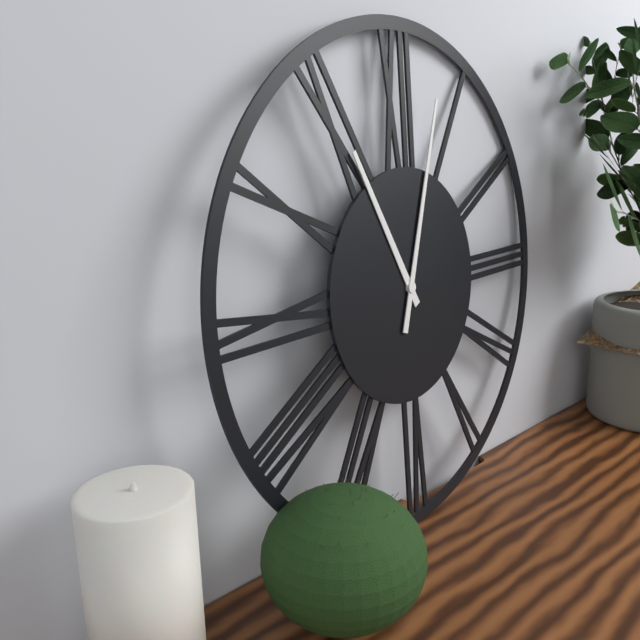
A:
11,03
